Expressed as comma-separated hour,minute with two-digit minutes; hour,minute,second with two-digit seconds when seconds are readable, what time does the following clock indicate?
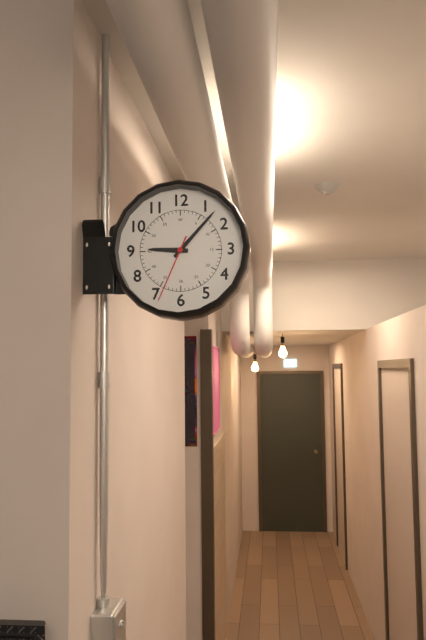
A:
9,07,34
